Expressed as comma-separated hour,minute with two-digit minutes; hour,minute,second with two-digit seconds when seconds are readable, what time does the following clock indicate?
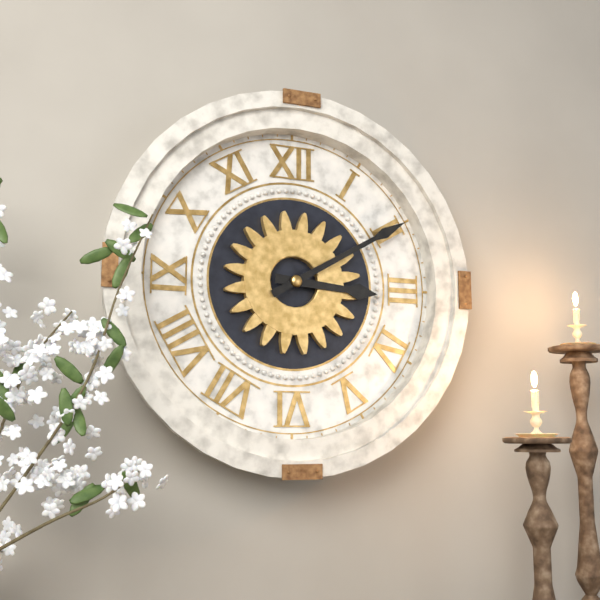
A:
3,10
